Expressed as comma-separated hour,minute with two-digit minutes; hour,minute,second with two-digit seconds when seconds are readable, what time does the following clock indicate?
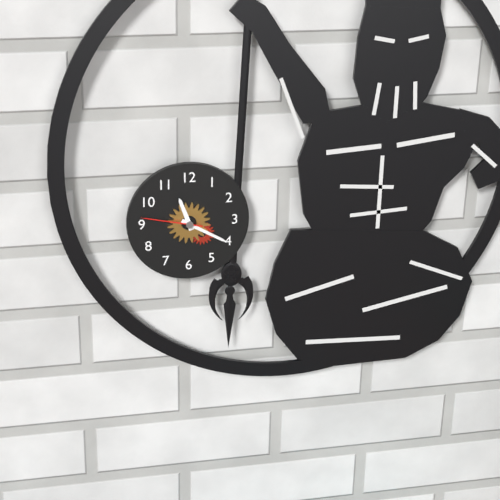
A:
11,20,47
